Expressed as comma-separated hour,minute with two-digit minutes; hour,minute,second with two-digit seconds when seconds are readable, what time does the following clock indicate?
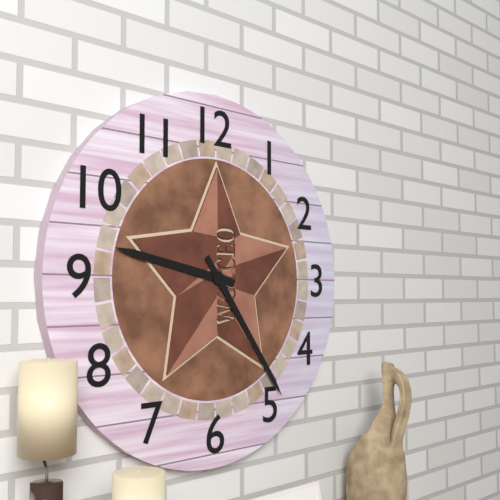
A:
9,24
